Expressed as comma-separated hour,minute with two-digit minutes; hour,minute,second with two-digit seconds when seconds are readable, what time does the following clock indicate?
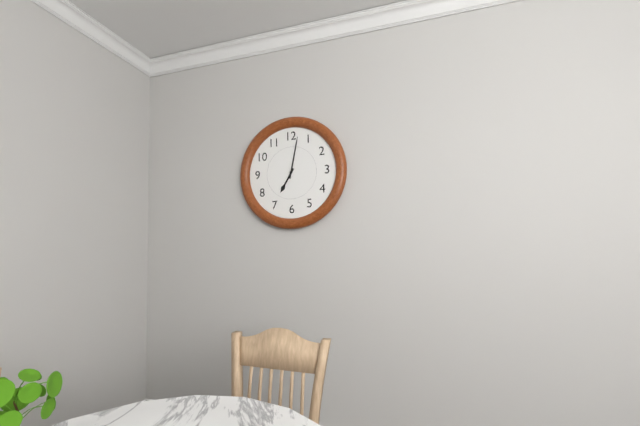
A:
7,02
